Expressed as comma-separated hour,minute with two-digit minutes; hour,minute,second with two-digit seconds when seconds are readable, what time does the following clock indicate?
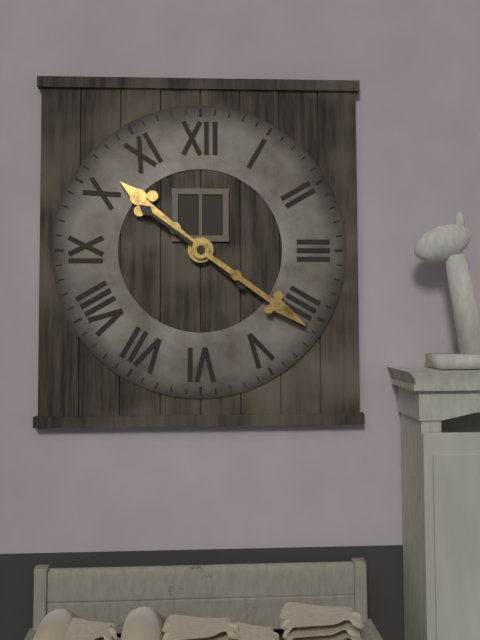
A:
10,21
